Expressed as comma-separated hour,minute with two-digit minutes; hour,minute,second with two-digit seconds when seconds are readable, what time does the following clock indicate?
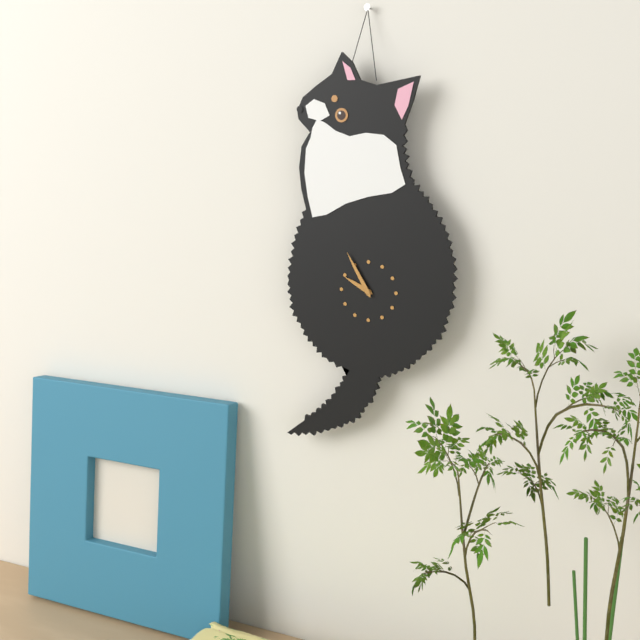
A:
9,55
